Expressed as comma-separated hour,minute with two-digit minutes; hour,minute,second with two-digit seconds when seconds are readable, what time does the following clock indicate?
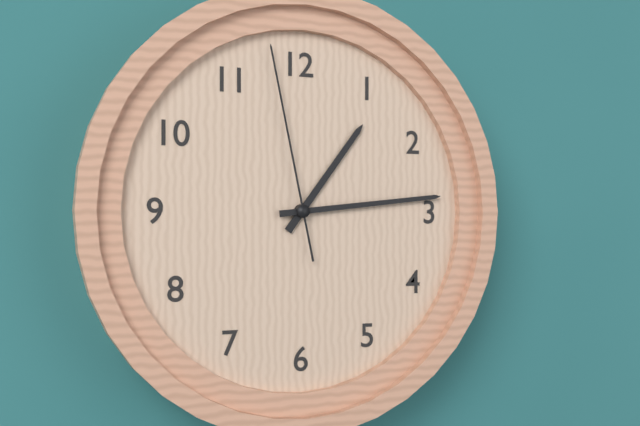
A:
1,14,58
